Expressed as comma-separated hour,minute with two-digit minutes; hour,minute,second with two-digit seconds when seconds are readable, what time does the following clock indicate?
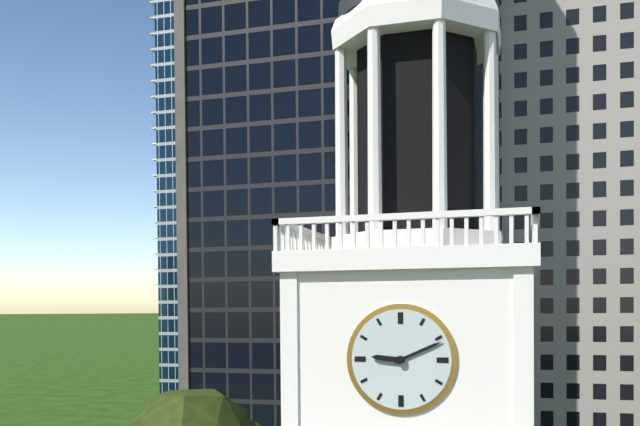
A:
9,11
